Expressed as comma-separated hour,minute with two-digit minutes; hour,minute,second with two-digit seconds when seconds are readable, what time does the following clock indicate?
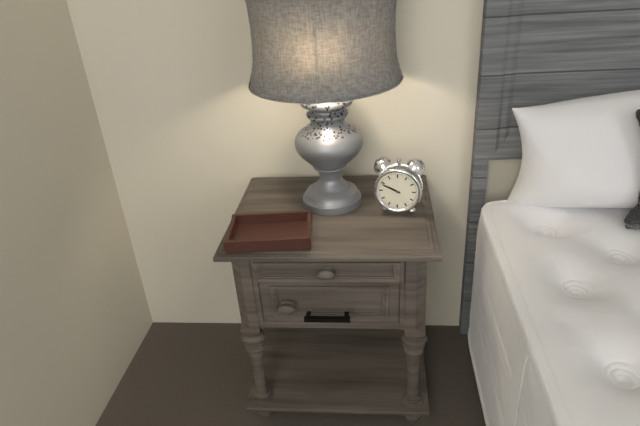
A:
9,49
